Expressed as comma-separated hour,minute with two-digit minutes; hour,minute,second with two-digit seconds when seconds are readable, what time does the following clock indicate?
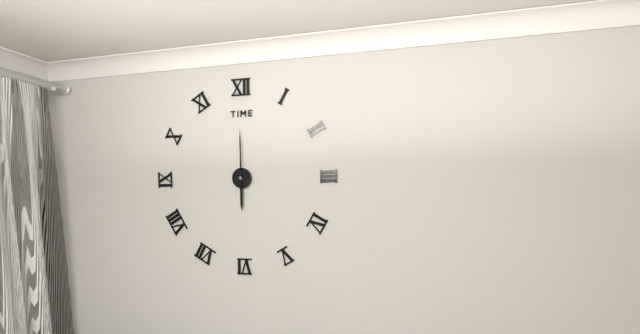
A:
6,00
